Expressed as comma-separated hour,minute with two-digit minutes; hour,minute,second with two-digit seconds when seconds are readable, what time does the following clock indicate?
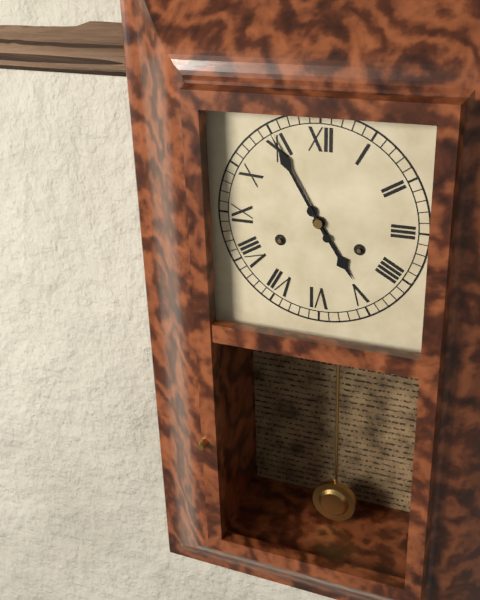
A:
4,55
